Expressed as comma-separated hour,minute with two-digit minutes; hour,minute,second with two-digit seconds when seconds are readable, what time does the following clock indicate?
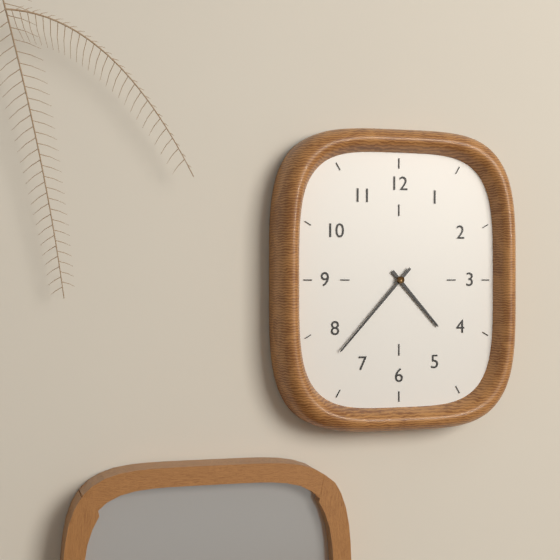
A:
4,37
